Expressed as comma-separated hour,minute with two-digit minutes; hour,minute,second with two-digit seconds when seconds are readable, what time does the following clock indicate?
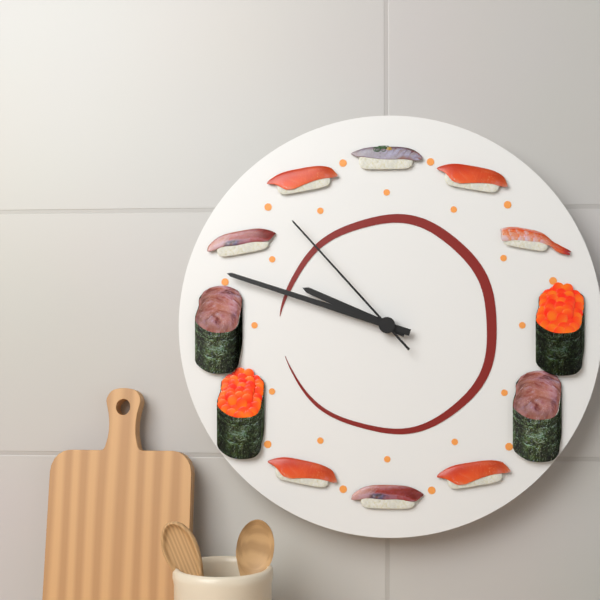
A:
9,48,53
